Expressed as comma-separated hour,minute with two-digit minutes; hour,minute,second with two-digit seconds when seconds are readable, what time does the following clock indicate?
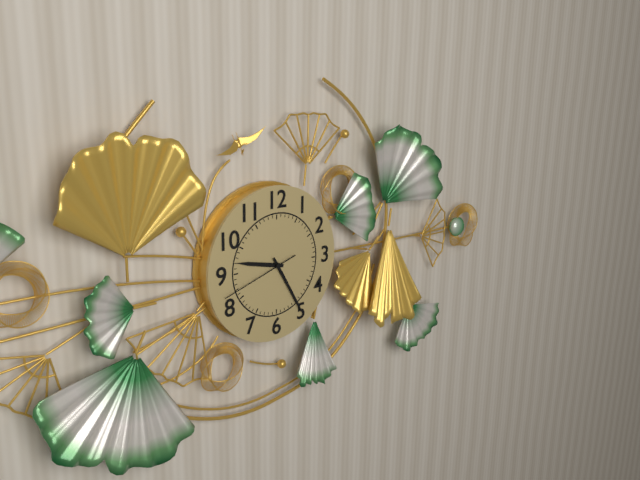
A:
9,25,42
